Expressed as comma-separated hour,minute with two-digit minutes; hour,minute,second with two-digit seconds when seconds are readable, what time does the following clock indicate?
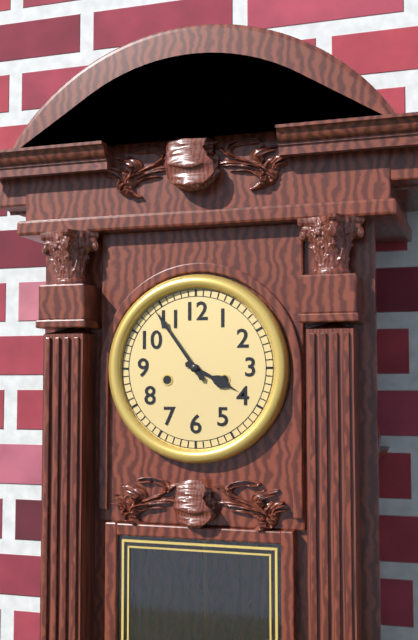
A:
3,54
